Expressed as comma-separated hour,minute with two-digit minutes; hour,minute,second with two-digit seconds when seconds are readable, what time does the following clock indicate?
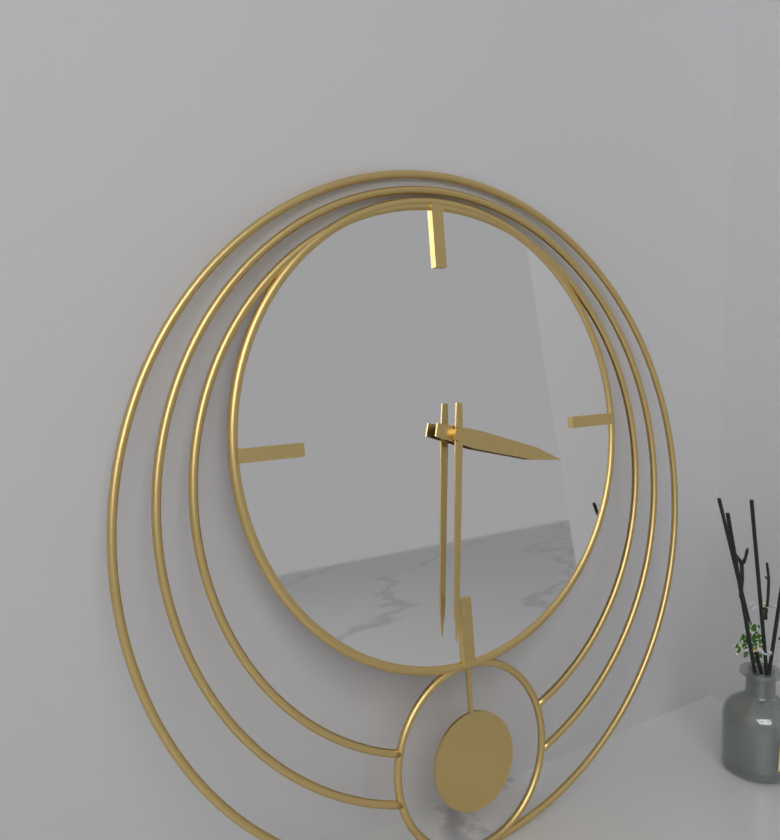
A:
3,31
